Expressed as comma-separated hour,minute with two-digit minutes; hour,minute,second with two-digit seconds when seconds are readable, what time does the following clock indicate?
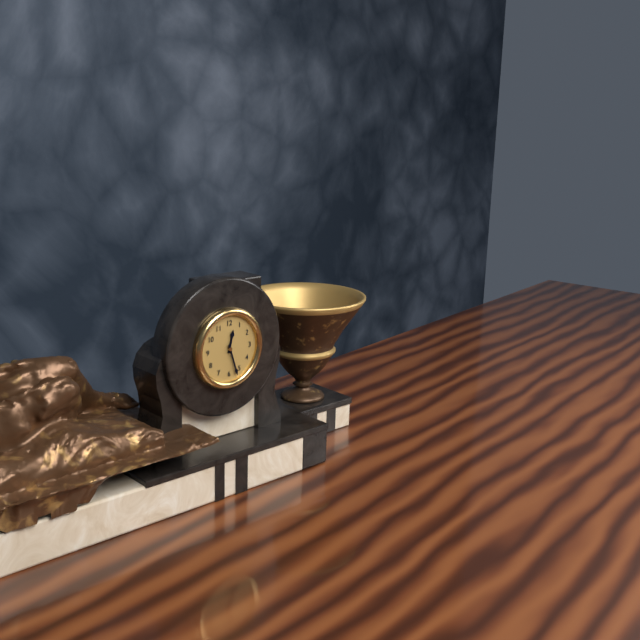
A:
12,27
